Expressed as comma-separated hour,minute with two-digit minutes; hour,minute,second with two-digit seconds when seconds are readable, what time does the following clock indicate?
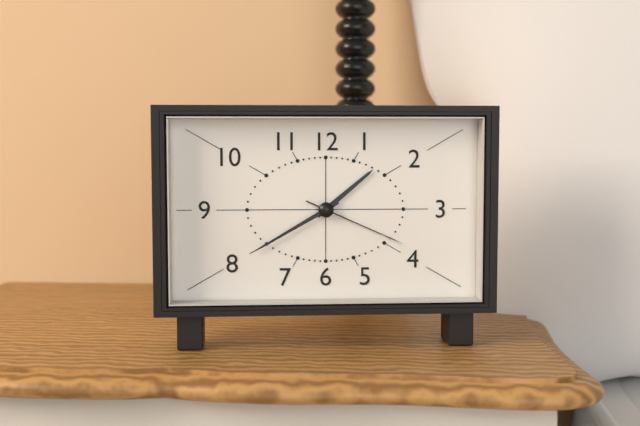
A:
1,40,19
